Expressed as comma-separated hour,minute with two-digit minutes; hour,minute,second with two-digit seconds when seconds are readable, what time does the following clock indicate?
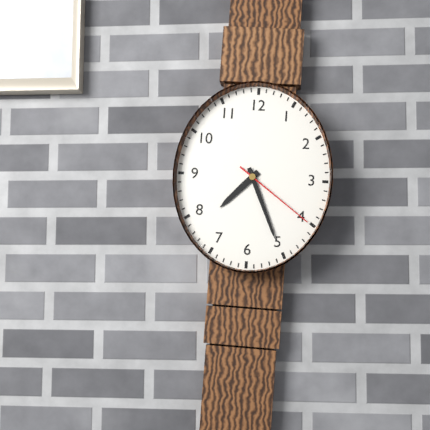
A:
7,26,21
